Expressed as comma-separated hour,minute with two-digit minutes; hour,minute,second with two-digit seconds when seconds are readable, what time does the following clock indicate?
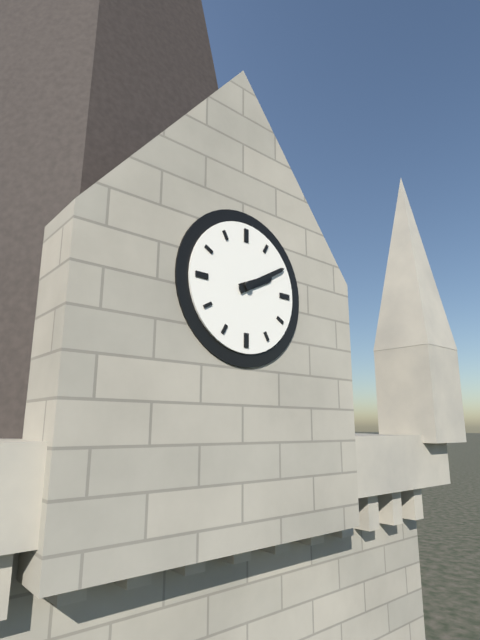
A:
2,10
